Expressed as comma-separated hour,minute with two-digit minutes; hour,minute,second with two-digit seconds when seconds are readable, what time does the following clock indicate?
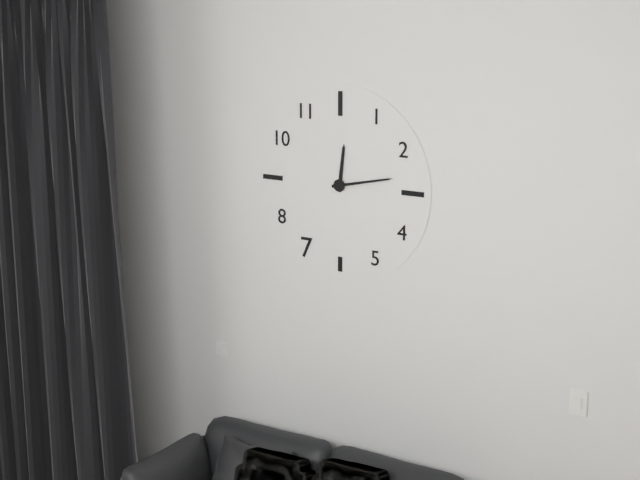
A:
12,13
